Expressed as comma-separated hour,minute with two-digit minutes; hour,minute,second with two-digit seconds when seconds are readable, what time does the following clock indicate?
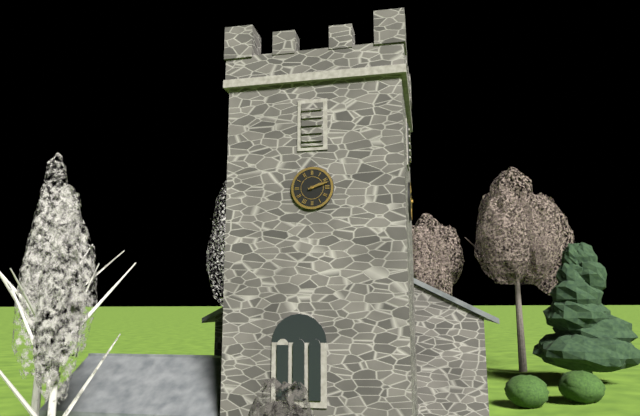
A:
2,12
